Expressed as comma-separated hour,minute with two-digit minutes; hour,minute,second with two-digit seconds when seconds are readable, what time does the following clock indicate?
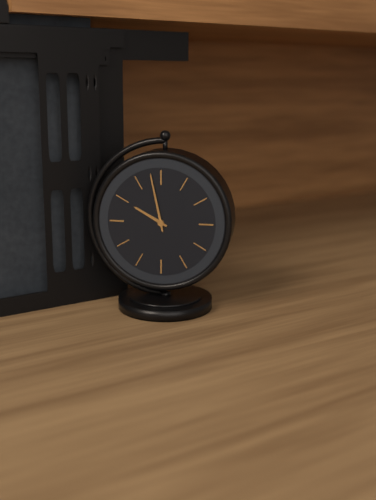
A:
9,58
